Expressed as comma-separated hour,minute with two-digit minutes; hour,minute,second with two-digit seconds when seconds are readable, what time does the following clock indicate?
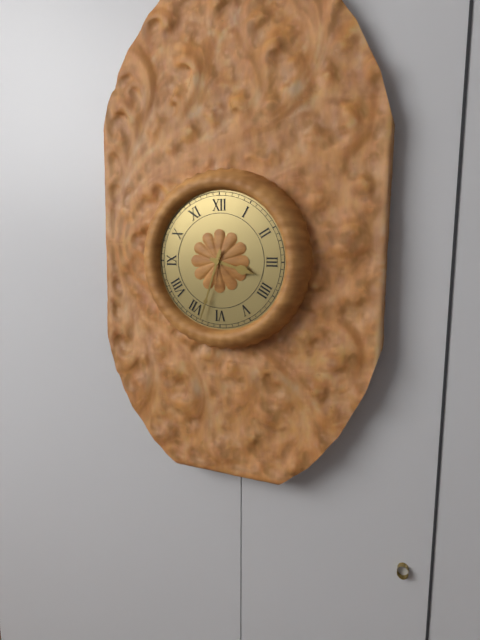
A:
3,33
